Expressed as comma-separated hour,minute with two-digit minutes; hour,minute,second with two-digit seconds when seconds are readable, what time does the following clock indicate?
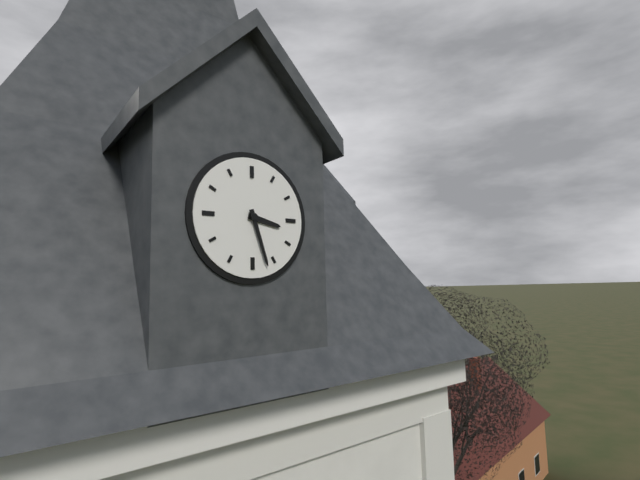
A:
3,27
